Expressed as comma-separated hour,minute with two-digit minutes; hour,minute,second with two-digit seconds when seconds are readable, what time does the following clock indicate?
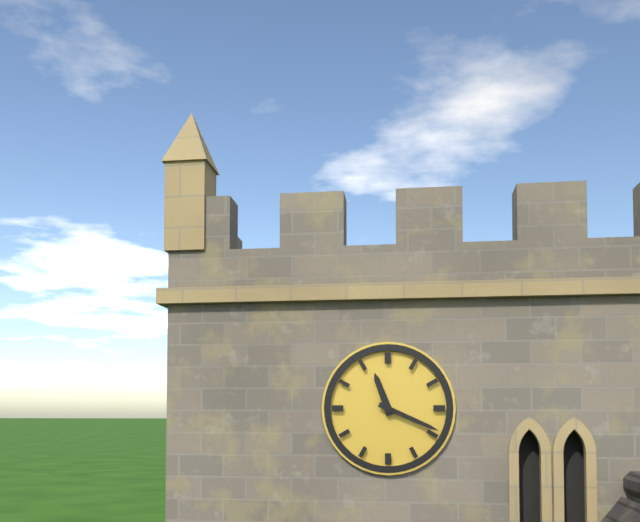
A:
11,19
